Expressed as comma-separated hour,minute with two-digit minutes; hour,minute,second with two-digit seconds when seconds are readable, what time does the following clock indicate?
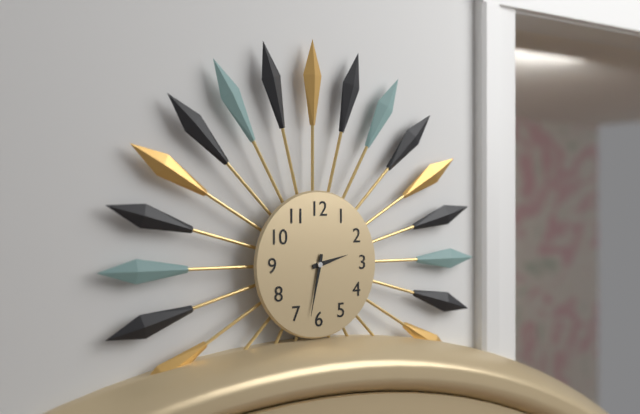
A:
2,32
